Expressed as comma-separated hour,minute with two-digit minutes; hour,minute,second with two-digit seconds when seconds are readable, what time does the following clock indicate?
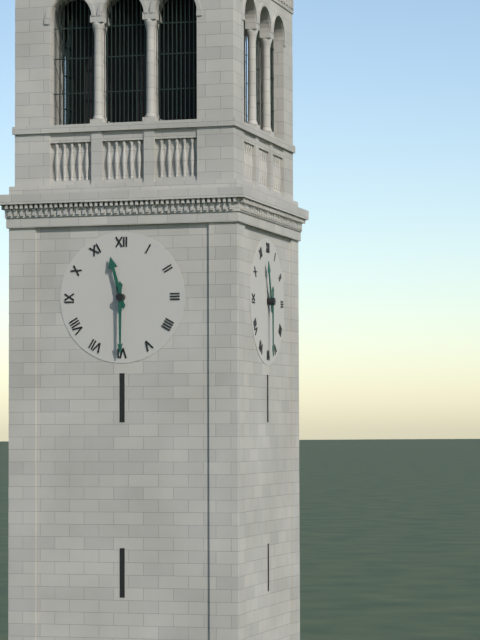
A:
11,30
